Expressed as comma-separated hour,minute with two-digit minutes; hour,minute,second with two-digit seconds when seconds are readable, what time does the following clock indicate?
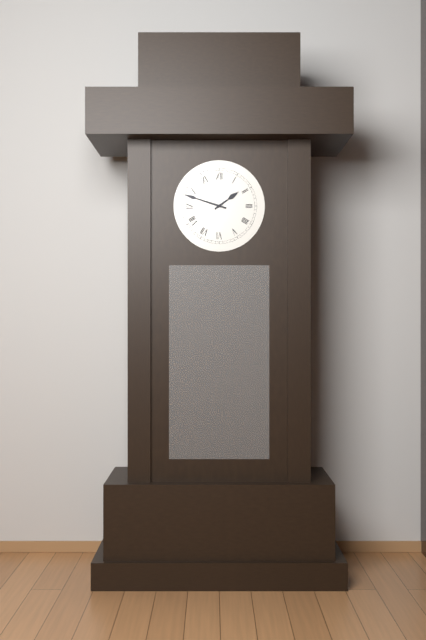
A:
1,48
